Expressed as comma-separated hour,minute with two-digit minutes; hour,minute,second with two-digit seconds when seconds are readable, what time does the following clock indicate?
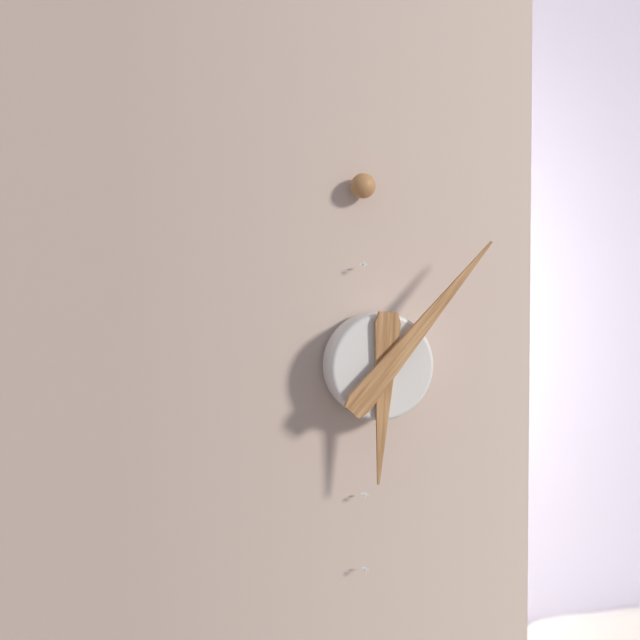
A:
6,07
